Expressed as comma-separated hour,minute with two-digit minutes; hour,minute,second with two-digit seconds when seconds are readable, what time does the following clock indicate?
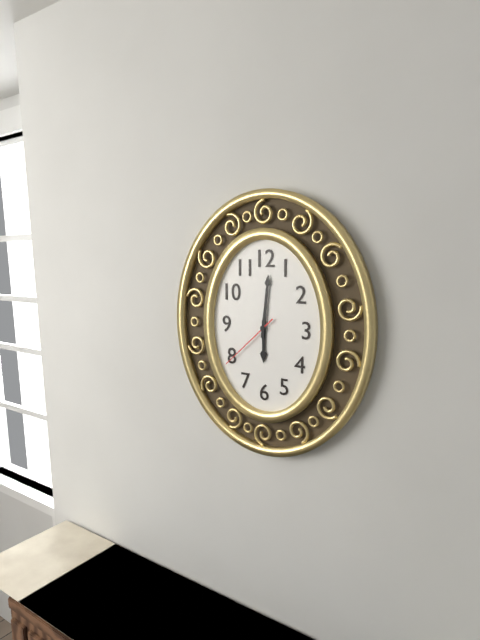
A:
6,01,38
